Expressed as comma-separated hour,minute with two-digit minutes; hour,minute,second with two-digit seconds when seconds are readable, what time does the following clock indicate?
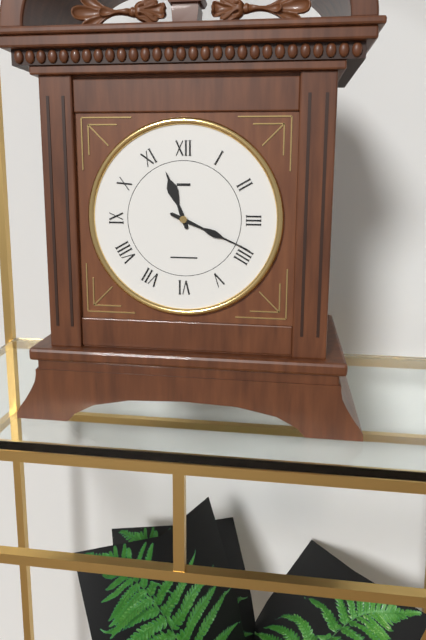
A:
11,19
